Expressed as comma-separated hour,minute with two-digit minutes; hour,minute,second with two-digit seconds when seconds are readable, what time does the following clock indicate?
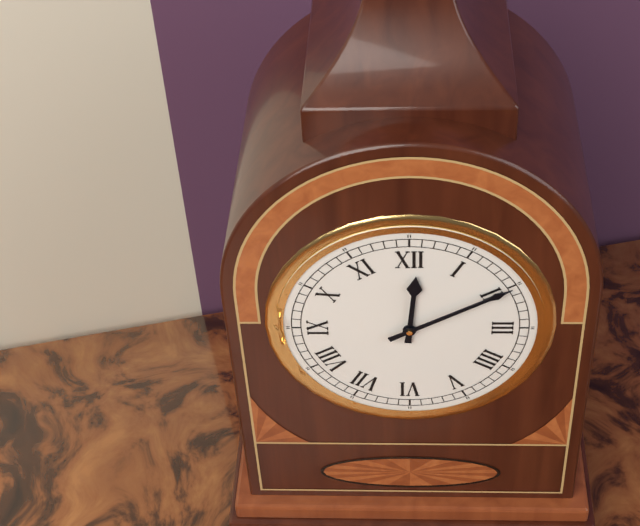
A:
12,10
